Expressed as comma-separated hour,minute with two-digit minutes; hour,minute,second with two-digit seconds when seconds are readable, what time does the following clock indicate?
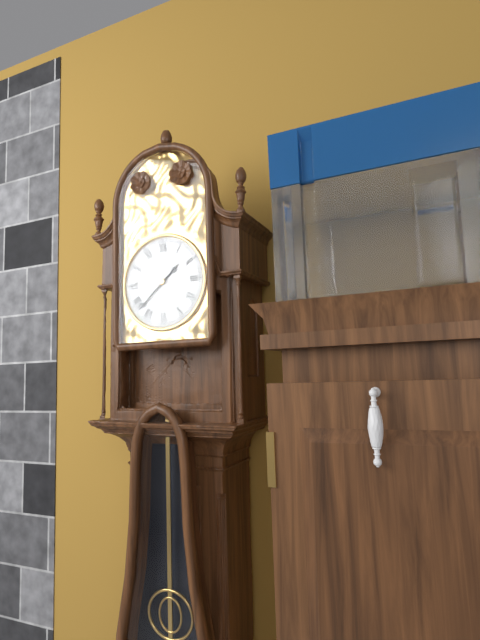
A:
1,38
